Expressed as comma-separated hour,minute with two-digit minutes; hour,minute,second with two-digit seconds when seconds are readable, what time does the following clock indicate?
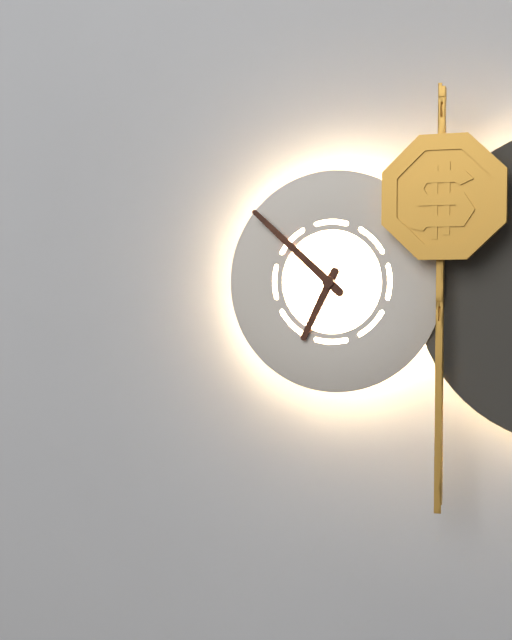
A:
6,52
